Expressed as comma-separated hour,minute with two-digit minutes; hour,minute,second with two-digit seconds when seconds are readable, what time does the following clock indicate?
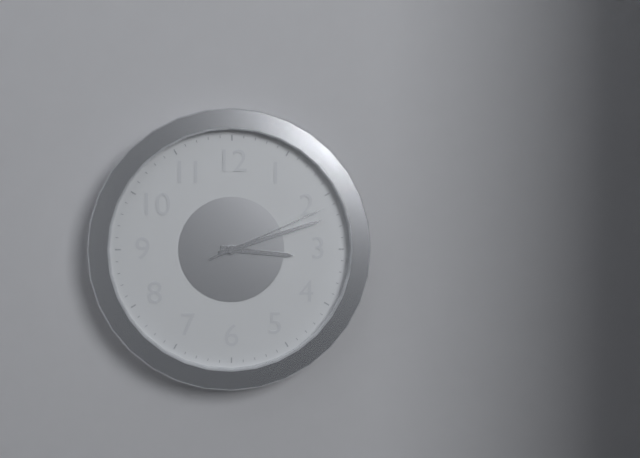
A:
3,12,11
